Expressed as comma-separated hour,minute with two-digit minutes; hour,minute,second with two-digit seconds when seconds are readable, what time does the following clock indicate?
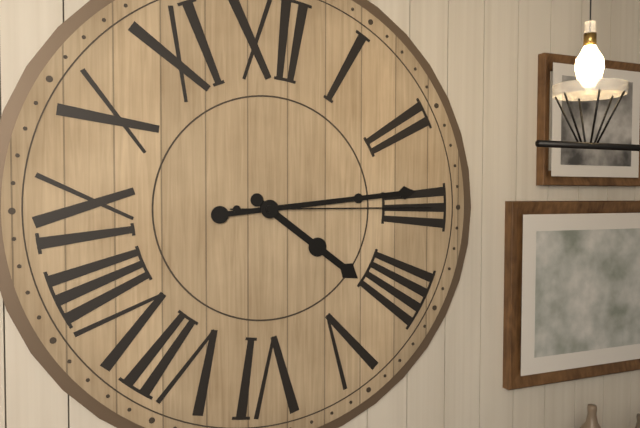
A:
4,14,15
